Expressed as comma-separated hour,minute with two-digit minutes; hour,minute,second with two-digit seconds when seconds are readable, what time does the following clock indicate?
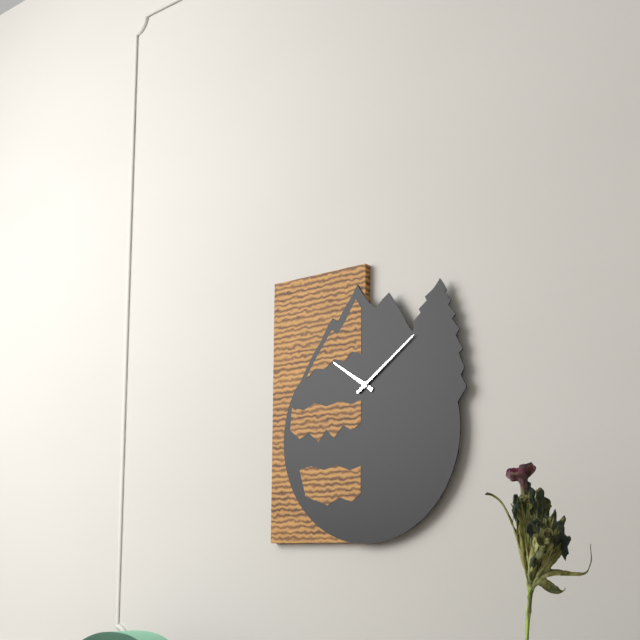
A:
10,09
